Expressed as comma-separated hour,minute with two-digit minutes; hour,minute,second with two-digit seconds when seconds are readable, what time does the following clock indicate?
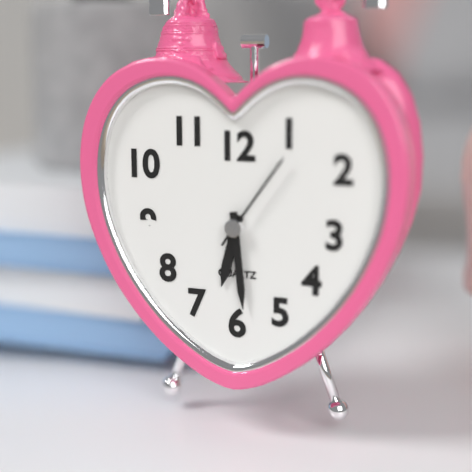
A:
6,29,06
